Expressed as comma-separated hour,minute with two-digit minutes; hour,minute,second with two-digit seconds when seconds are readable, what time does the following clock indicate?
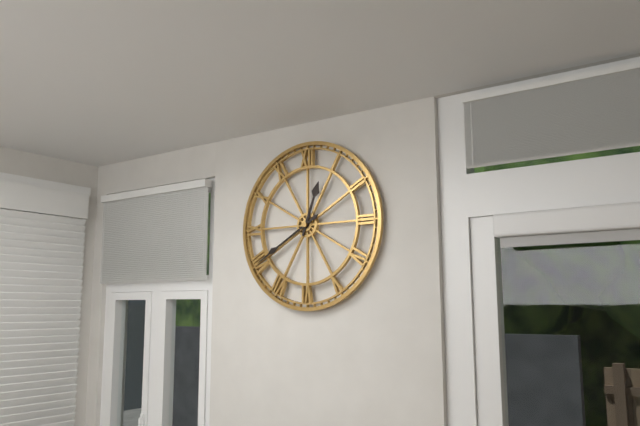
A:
12,40
